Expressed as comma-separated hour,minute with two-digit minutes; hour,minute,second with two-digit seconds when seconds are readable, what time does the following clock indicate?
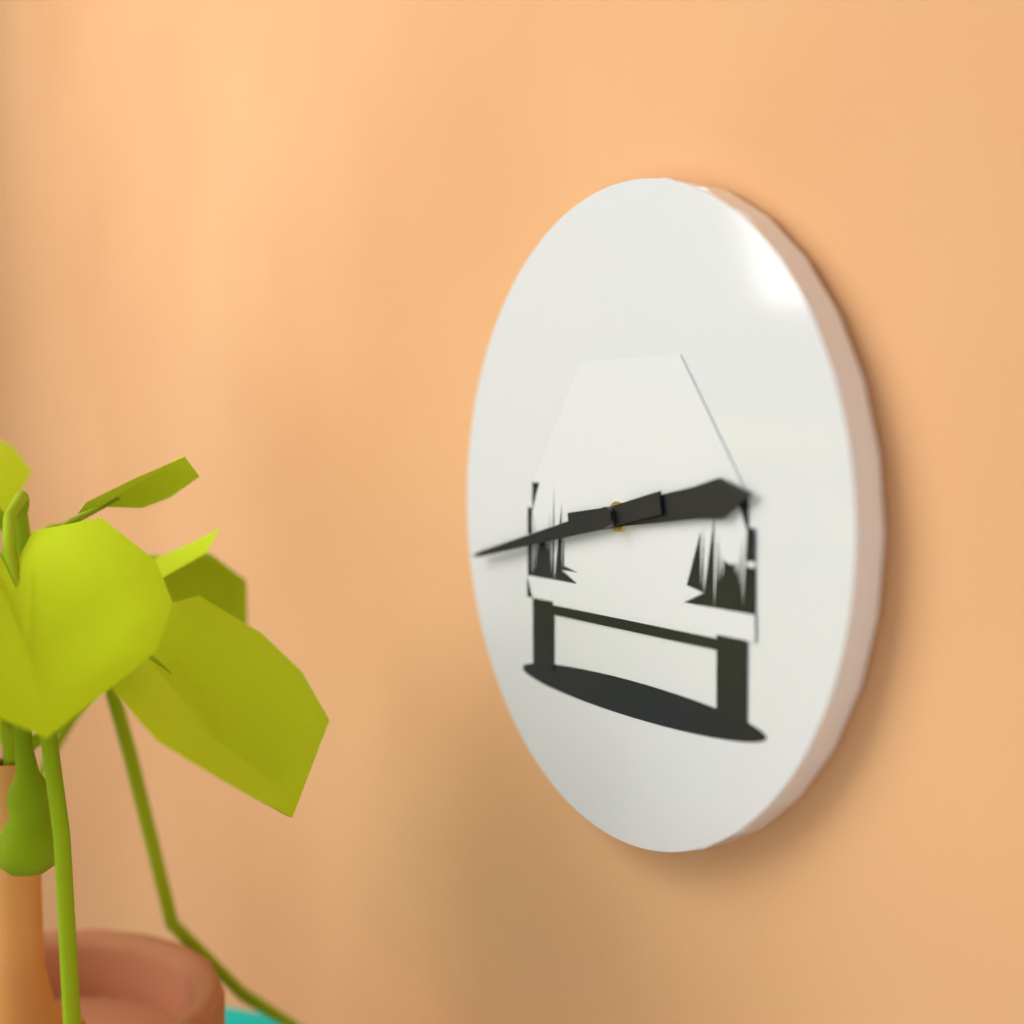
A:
2,43
